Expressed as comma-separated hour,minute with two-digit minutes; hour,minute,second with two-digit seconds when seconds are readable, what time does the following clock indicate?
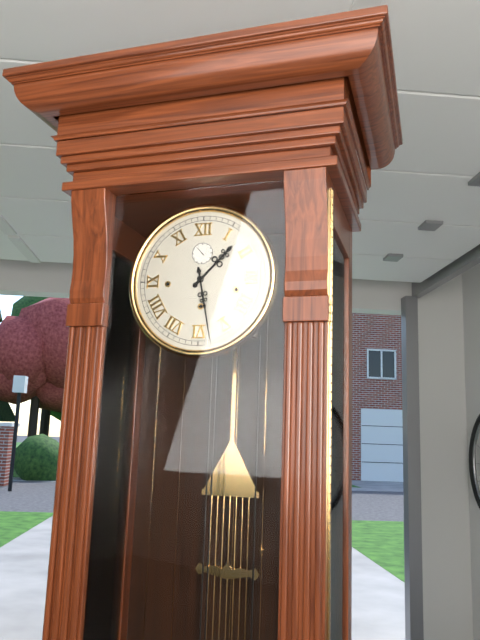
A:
1,28
